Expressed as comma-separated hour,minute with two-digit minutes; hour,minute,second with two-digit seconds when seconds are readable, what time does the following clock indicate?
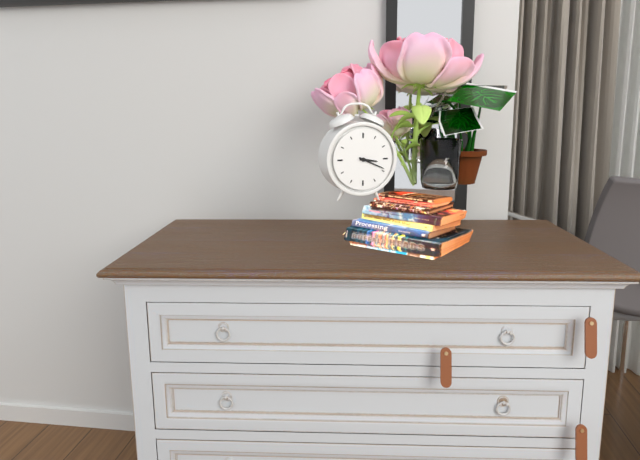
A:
3,19
